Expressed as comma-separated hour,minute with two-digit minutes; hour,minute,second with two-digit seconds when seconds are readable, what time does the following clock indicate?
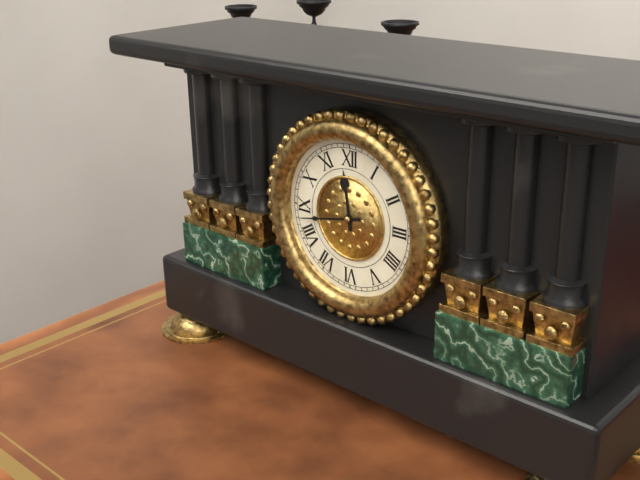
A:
11,43
